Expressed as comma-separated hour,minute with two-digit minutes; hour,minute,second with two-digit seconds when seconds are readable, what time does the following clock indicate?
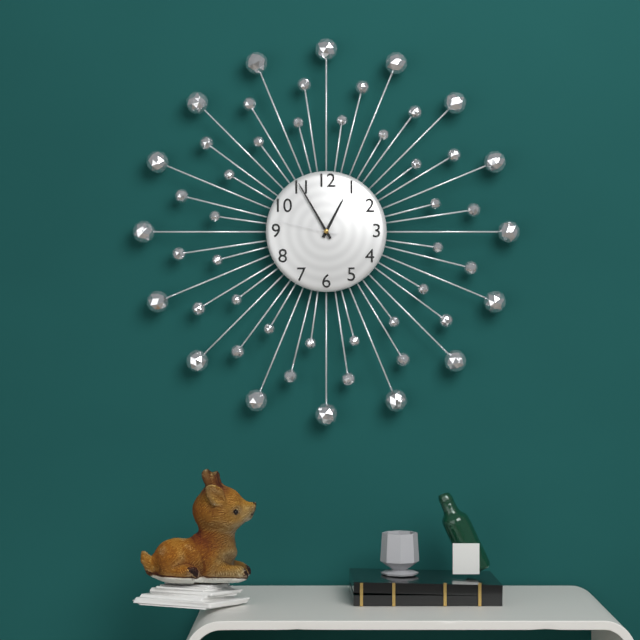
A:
12,55,47
